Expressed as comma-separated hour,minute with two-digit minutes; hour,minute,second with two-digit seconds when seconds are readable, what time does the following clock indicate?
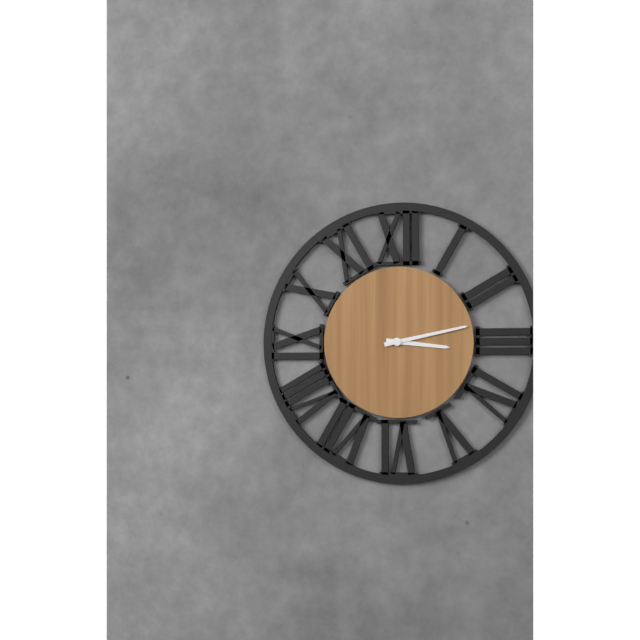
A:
3,13
